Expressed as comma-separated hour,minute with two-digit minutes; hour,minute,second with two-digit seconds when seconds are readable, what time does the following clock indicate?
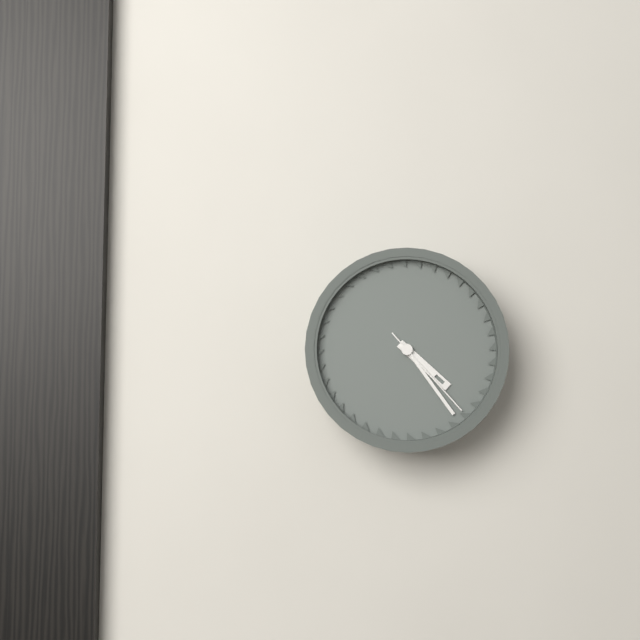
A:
4,24,23
